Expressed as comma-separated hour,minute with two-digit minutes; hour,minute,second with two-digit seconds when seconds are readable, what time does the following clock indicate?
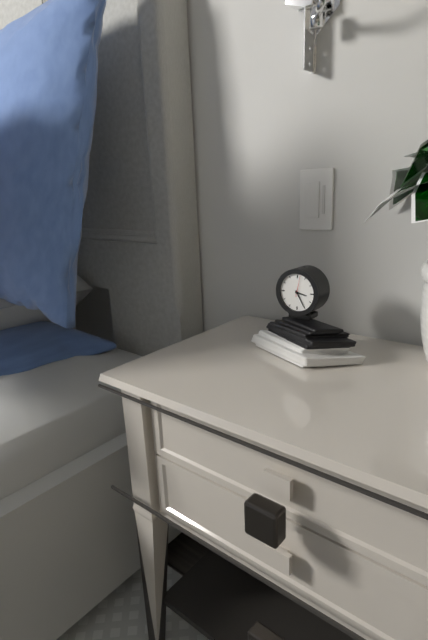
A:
3,25
